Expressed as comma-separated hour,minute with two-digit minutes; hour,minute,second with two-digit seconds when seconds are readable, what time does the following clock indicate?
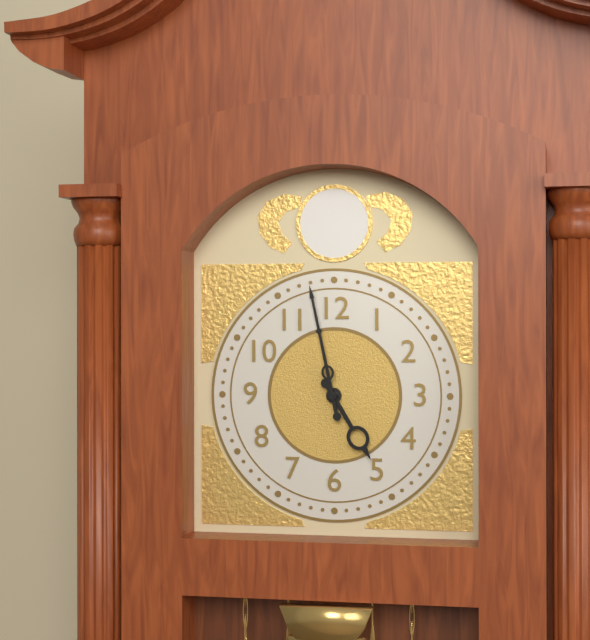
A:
4,58
